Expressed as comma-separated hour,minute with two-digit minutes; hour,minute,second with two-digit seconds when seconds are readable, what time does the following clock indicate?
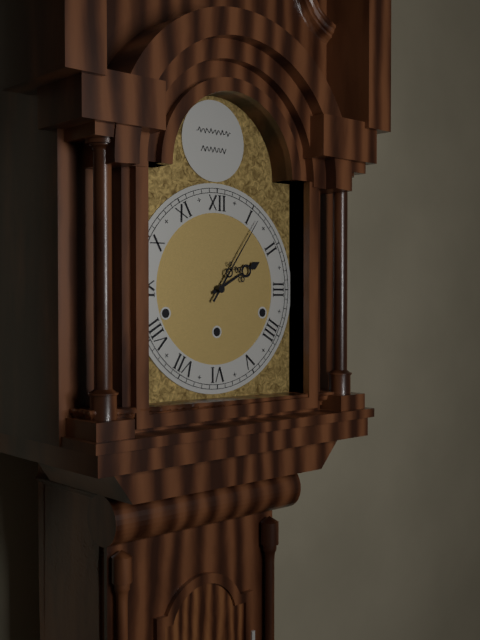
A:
2,06
